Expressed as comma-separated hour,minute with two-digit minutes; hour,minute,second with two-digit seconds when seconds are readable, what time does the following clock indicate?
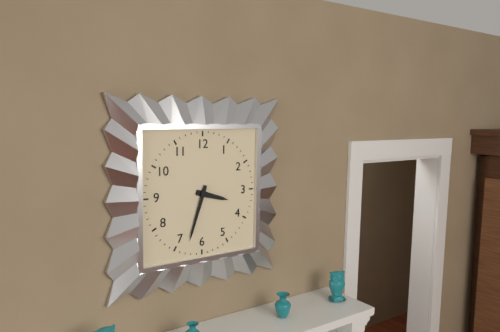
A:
3,33
